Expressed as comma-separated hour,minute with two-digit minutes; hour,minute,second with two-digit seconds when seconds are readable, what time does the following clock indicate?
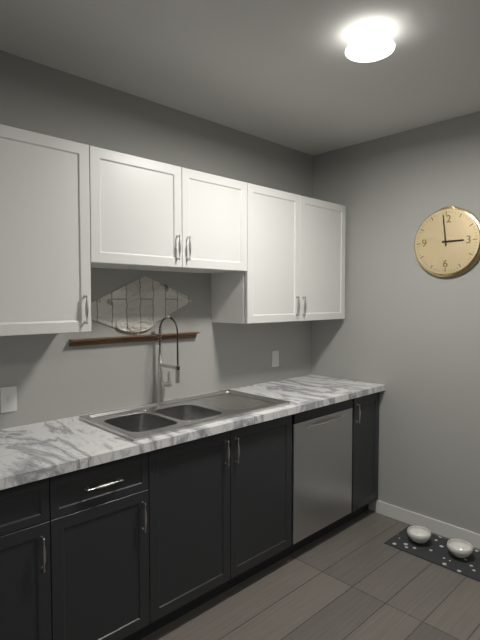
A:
2,59
